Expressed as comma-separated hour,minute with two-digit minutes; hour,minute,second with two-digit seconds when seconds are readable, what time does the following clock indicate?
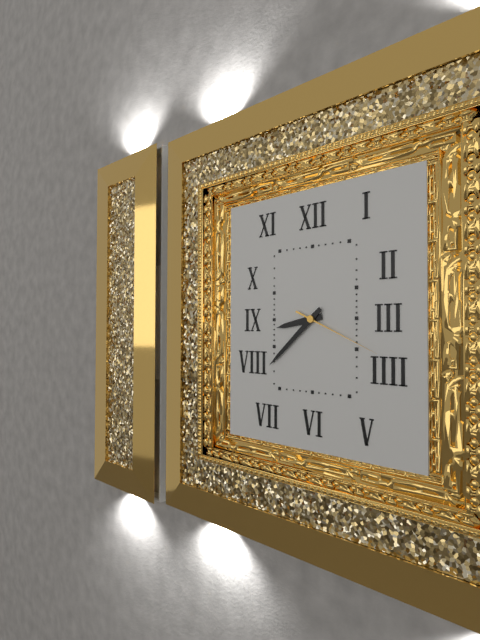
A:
8,38,19
